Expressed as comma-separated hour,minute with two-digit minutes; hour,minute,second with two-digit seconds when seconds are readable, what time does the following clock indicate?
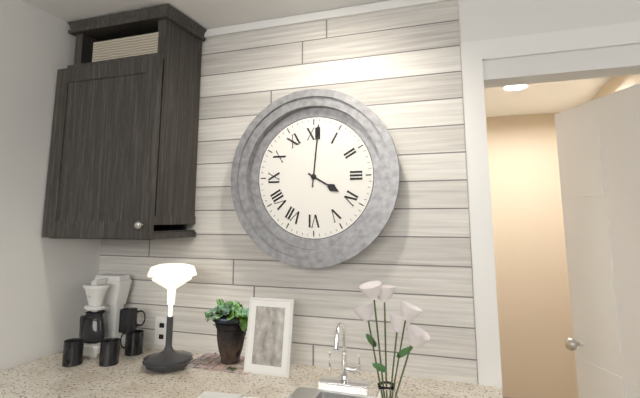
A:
4,01
